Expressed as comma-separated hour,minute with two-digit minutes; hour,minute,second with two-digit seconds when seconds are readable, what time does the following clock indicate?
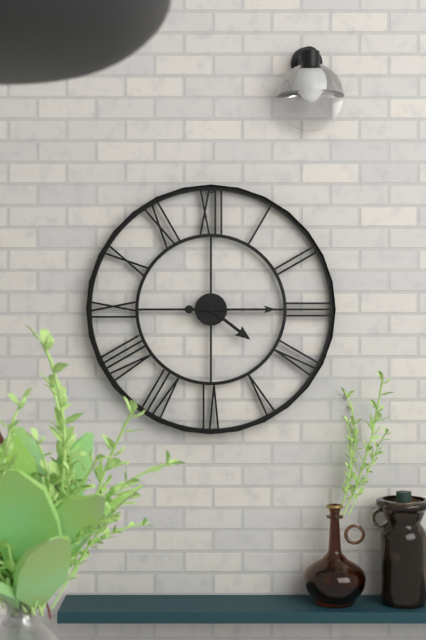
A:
4,15
